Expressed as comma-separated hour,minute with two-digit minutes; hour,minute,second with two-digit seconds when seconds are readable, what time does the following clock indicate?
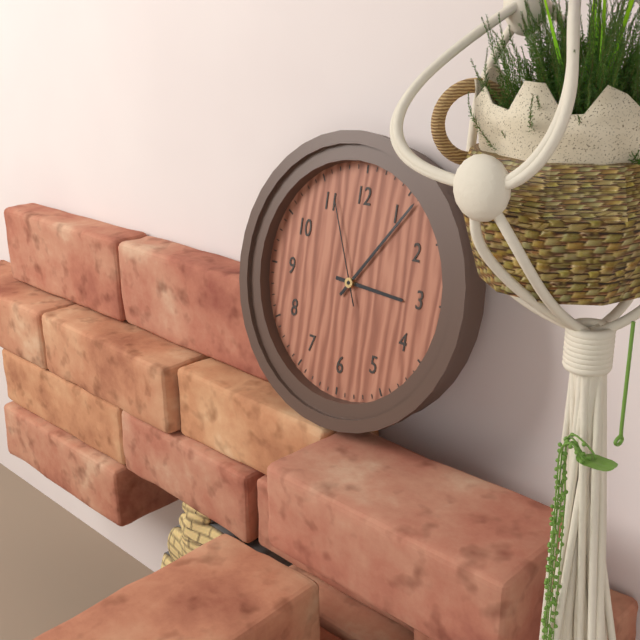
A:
3,06,56
